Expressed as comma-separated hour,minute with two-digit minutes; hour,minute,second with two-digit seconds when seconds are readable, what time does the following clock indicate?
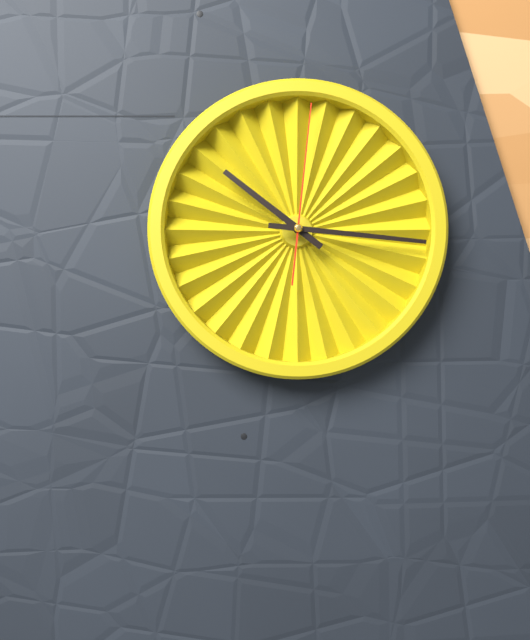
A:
10,16,01
